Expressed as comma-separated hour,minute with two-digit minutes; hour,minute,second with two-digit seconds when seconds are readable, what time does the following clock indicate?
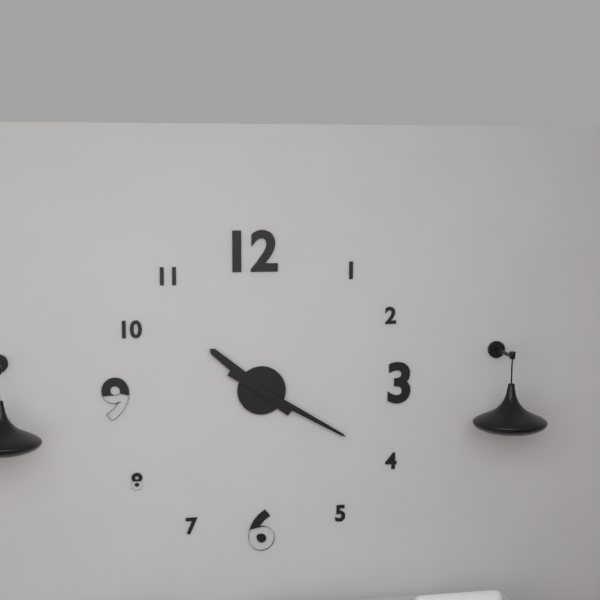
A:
10,20
